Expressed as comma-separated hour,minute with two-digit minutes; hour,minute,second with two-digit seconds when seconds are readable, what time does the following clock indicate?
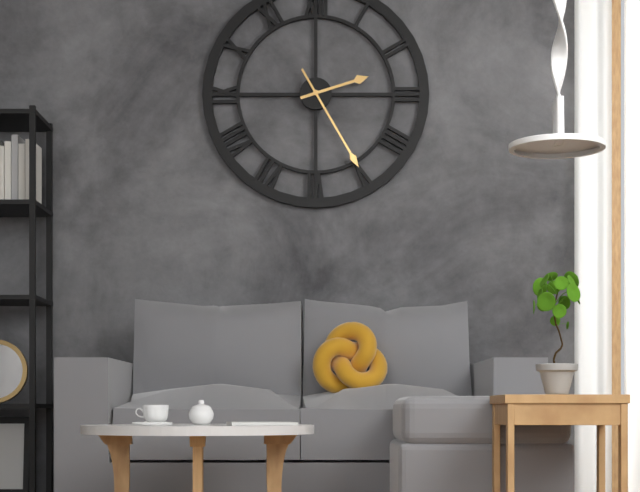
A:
2,25
